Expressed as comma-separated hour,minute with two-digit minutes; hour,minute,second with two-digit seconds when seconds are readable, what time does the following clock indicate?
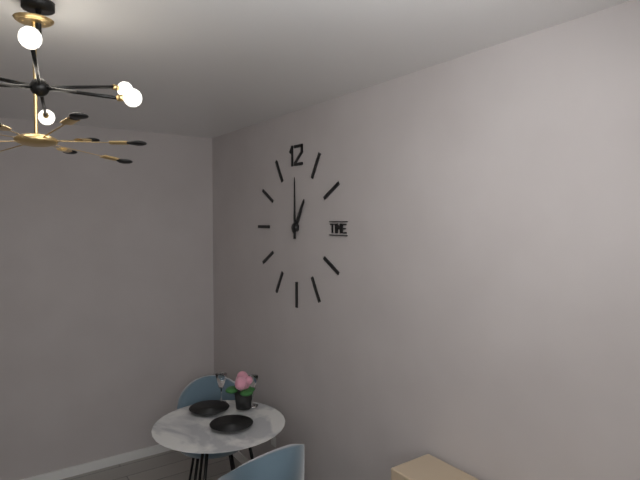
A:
1,00
